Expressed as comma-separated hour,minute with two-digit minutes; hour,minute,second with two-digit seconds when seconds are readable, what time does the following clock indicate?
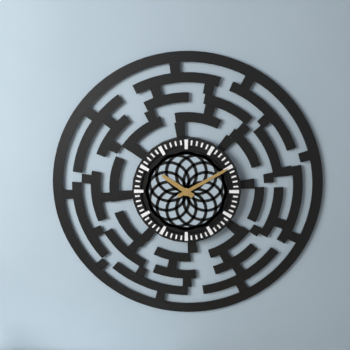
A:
10,10
